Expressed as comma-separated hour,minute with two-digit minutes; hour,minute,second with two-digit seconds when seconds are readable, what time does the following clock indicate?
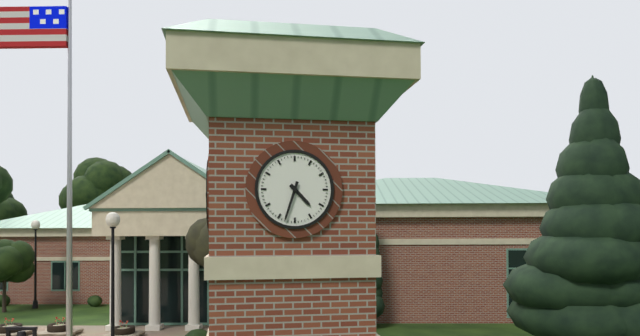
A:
4,33
